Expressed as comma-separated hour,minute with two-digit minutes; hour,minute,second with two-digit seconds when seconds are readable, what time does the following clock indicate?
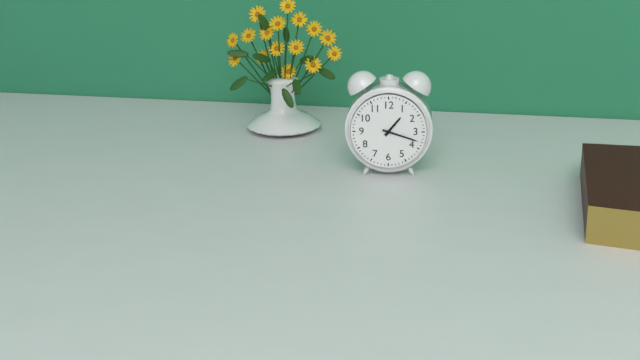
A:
1,18
